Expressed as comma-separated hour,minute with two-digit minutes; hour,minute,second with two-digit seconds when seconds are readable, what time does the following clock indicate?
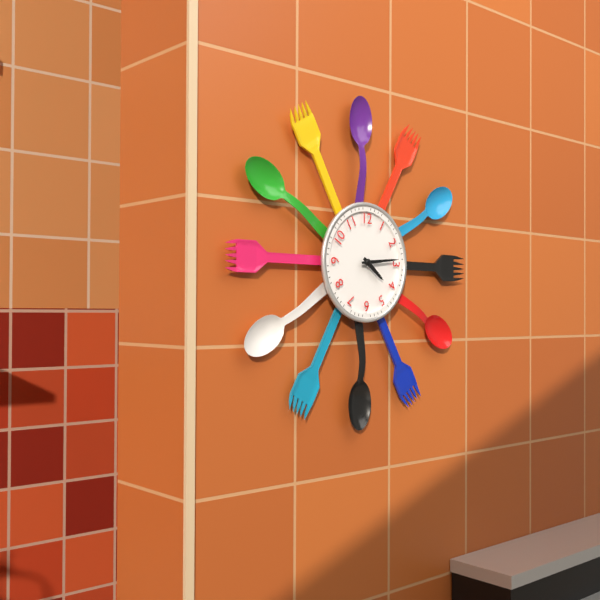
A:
4,14
